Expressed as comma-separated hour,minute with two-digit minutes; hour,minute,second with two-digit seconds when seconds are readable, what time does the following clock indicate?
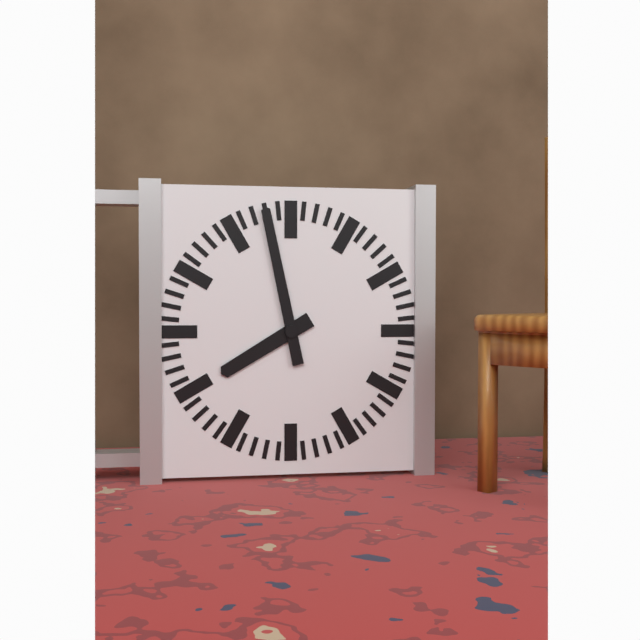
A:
7,58
